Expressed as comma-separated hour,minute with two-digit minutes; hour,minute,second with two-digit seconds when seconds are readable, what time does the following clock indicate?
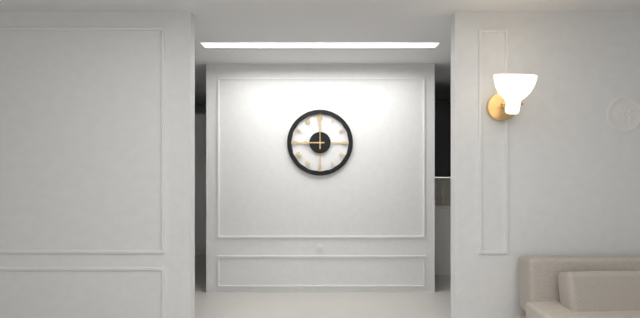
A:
9,00
